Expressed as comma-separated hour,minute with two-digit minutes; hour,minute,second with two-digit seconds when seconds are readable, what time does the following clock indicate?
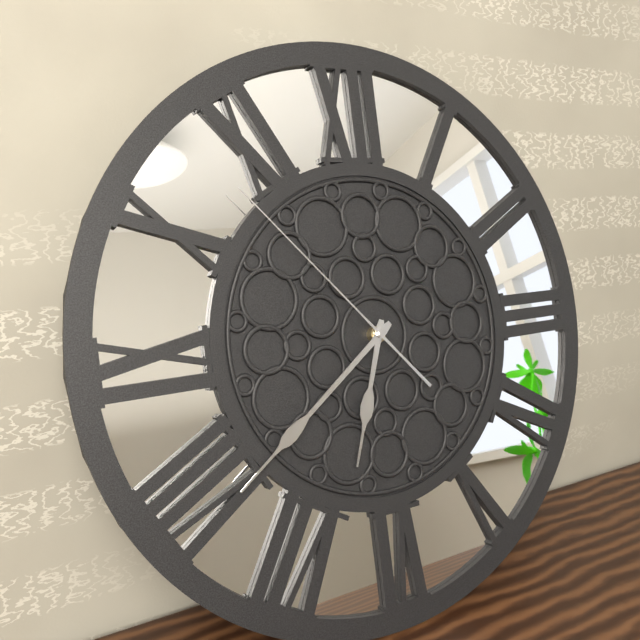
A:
6,39,53
